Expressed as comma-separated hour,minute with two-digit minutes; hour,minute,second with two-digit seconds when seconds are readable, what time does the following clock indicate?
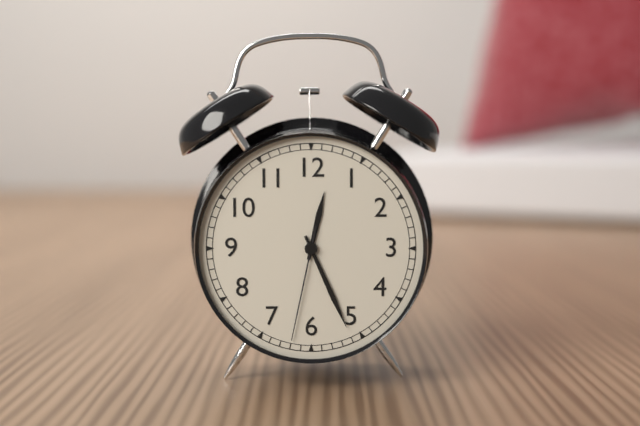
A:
12,26,32
